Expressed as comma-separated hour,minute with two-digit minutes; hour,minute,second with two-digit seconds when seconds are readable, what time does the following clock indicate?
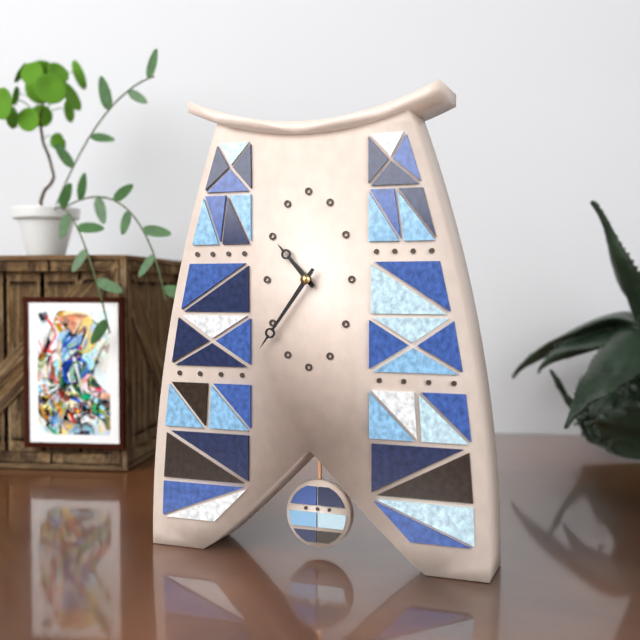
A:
10,36
